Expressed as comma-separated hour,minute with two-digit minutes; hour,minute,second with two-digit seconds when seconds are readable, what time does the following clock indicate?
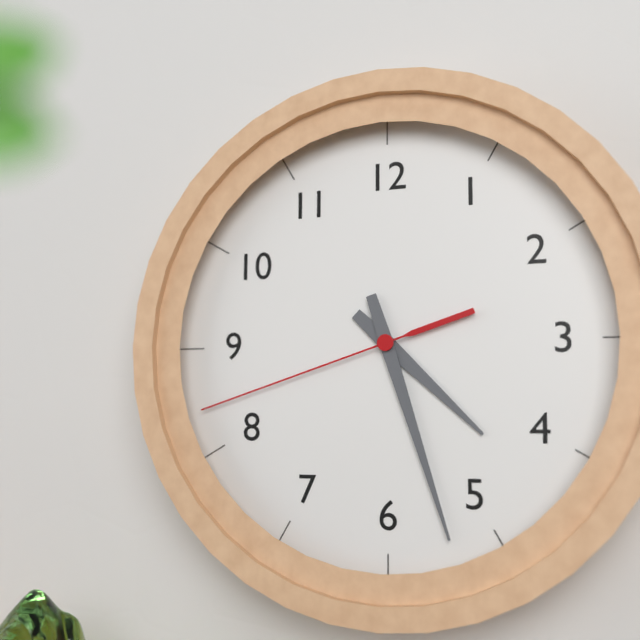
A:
4,27,42
